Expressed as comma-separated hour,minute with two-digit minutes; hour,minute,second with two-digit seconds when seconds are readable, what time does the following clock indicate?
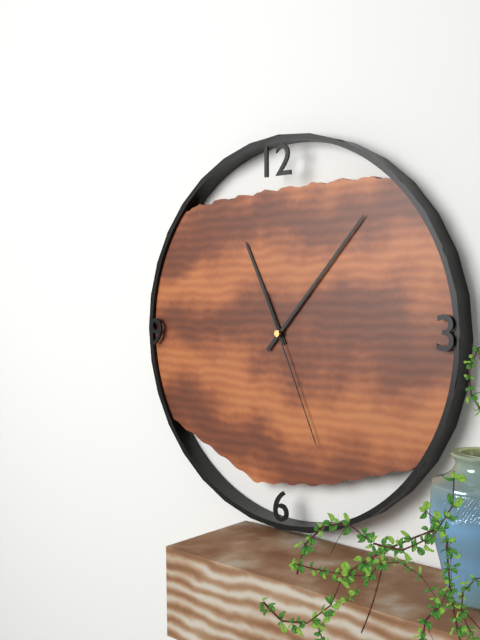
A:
11,07,26
